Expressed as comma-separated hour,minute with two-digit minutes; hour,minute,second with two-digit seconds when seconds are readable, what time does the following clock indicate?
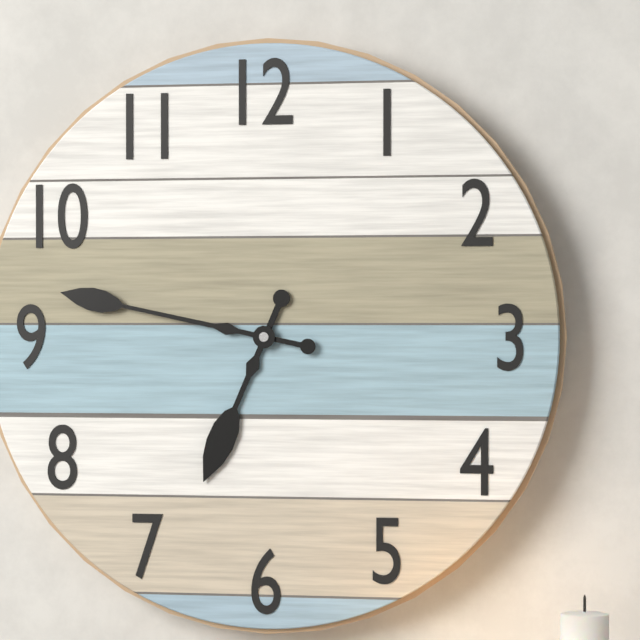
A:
6,47
